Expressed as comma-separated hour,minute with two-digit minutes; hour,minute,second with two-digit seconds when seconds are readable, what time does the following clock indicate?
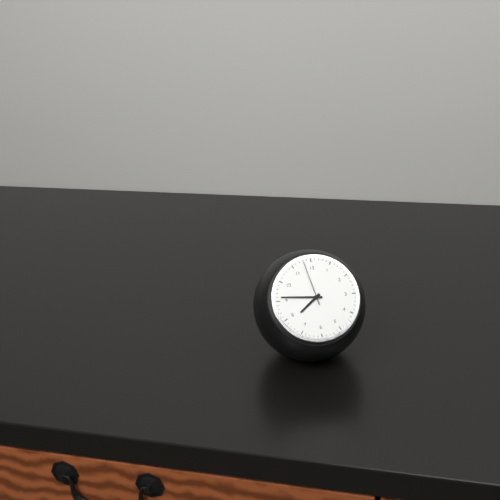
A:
7,46
